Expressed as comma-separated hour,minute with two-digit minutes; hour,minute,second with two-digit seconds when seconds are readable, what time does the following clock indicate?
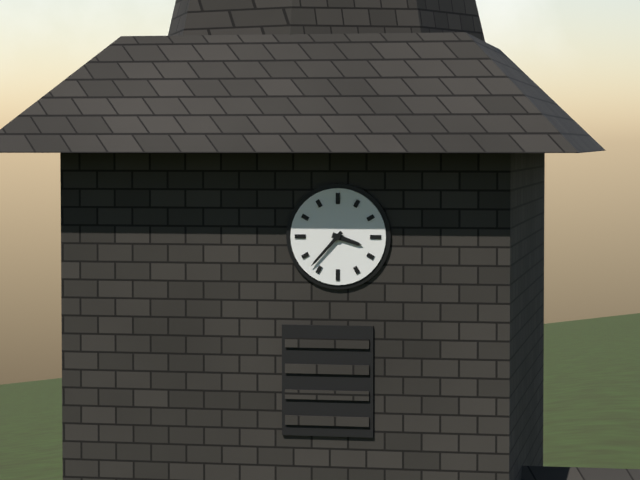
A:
3,37
